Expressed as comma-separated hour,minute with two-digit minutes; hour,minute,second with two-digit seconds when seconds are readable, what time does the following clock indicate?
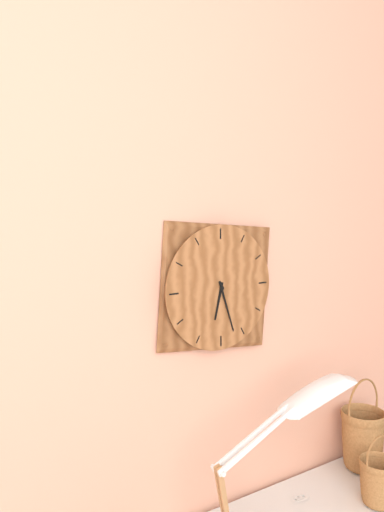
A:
6,27
